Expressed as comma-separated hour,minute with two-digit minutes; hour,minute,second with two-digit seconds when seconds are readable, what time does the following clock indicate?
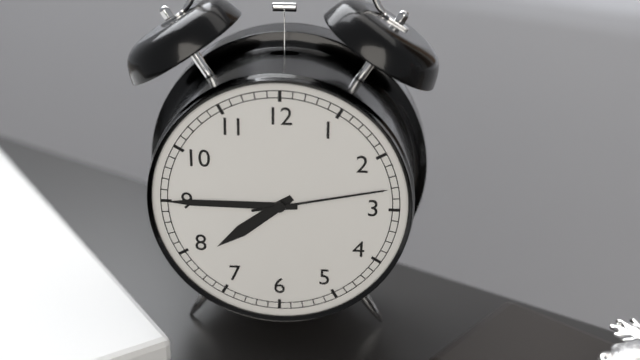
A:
7,45,13
